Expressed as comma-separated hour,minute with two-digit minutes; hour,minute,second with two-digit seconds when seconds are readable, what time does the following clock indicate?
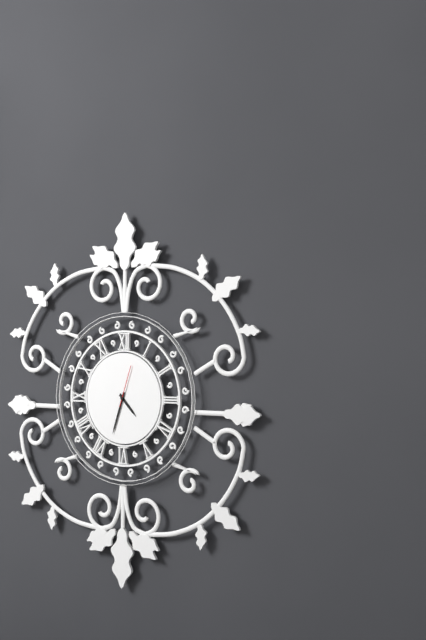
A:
4,33
